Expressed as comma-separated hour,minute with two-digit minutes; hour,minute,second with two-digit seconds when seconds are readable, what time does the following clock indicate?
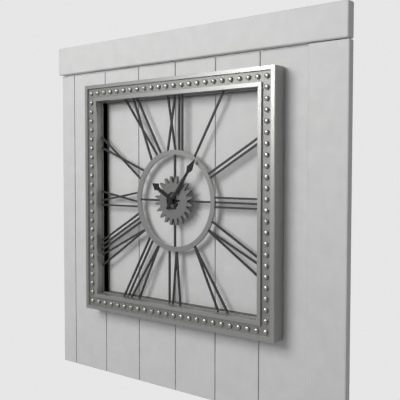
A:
10,06
